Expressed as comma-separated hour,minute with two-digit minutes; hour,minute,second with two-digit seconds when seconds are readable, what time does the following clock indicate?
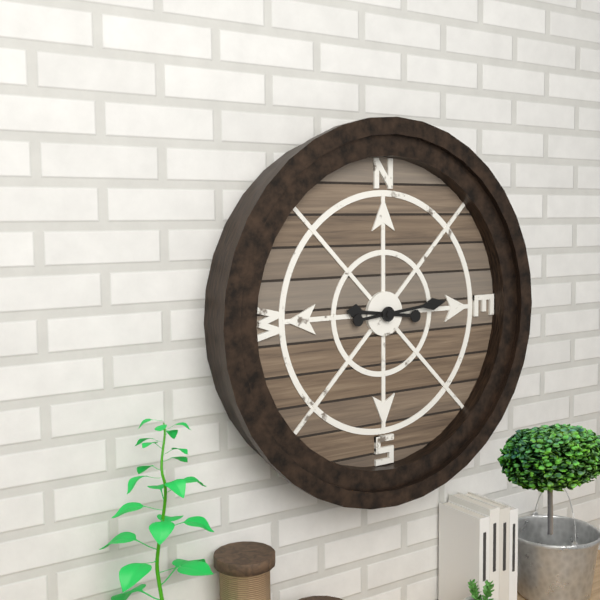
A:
9,14
